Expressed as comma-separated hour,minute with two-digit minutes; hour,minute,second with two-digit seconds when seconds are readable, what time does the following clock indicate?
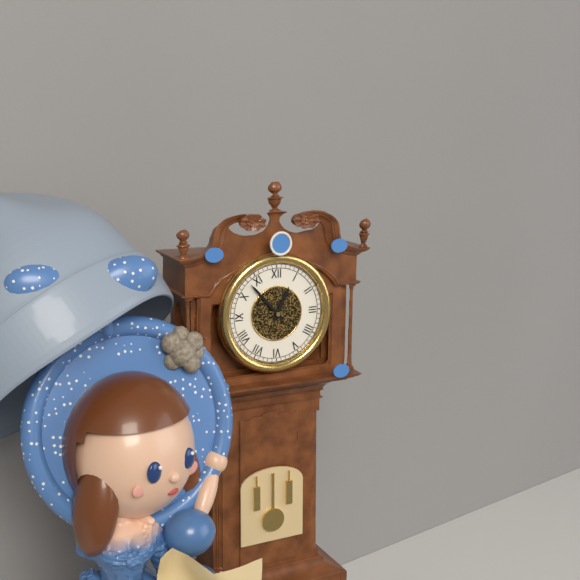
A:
12,53
